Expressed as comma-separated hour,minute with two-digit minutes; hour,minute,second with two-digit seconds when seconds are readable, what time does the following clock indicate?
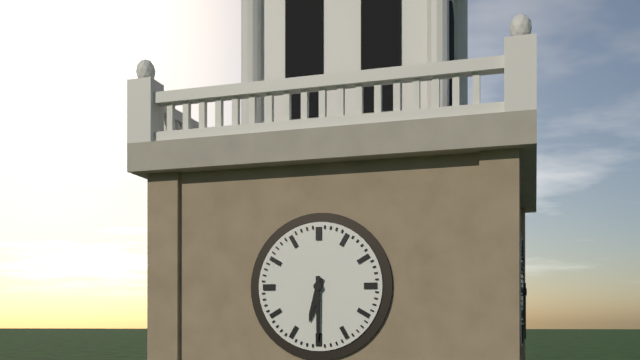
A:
6,30
